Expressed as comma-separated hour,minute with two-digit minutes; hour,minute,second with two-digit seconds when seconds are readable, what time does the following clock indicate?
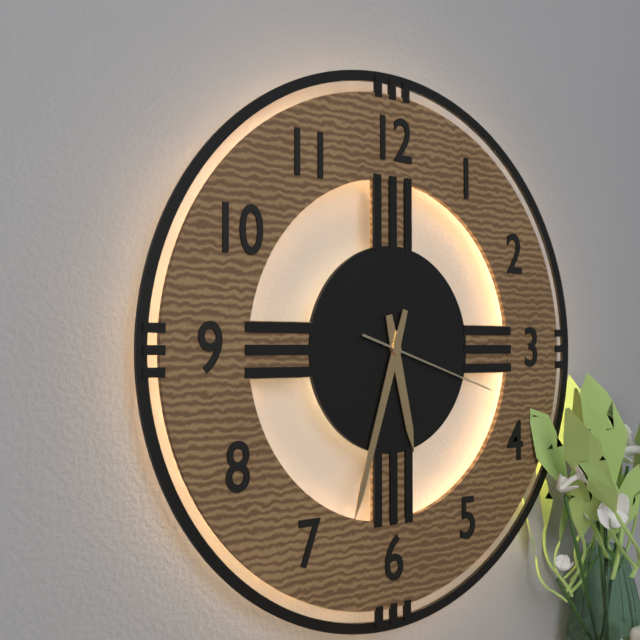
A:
5,33,18
